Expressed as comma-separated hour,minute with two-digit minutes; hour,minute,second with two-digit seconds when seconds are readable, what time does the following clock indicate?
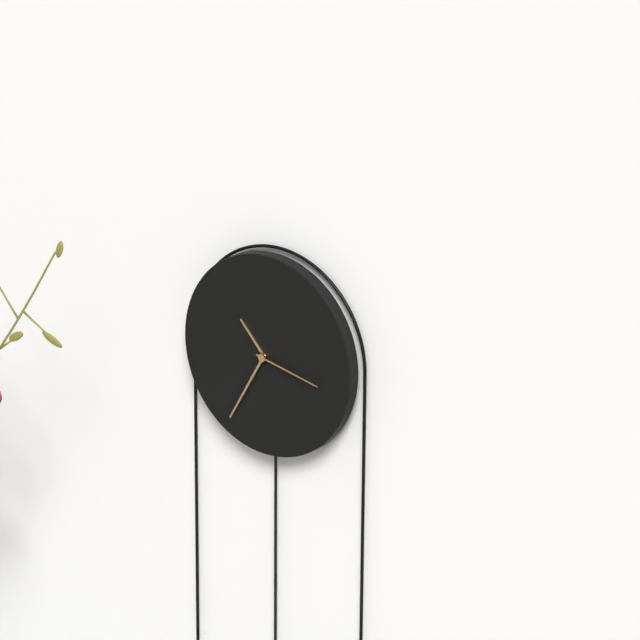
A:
10,35,17
